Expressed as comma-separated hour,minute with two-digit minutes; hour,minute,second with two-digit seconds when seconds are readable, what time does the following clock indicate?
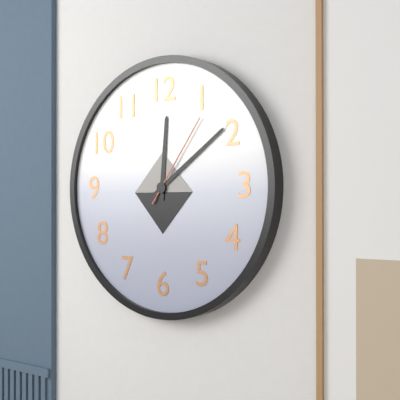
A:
12,09,06
